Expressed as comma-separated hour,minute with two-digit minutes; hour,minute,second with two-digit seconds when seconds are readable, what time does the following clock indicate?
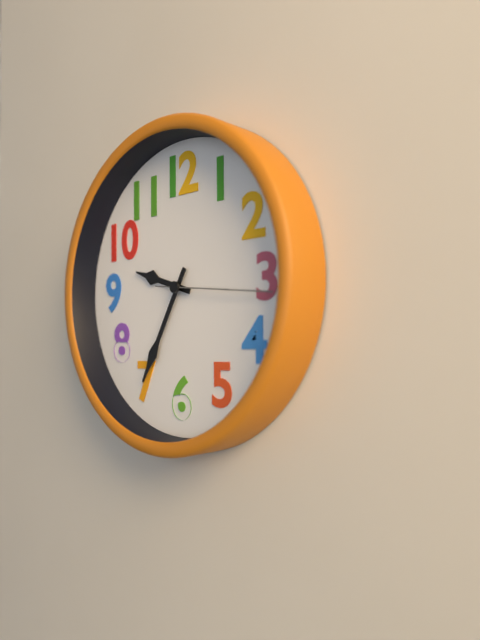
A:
9,35,16
